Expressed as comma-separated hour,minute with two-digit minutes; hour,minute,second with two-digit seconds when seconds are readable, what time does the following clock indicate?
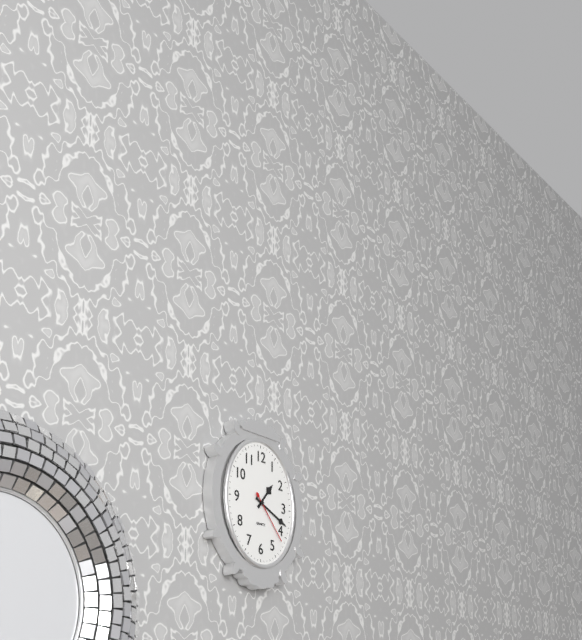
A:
1,19,23
